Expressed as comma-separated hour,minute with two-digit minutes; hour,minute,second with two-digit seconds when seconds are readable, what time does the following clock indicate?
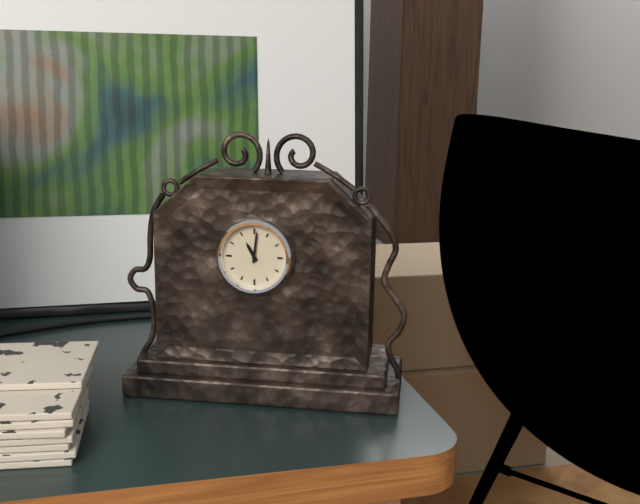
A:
11,01
